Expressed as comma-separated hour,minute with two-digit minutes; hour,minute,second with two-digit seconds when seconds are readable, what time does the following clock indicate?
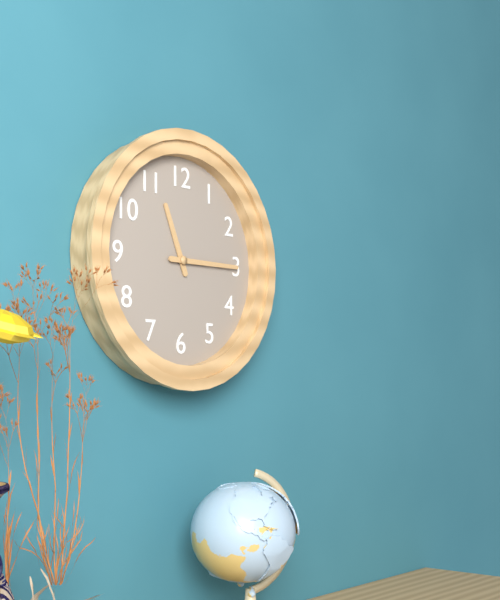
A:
11,15
